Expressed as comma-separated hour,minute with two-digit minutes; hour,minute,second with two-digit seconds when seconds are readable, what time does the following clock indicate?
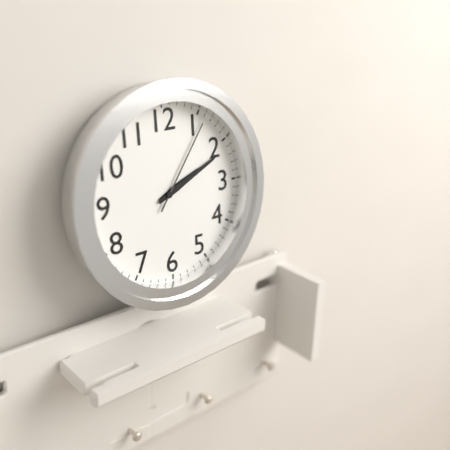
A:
2,11,06
